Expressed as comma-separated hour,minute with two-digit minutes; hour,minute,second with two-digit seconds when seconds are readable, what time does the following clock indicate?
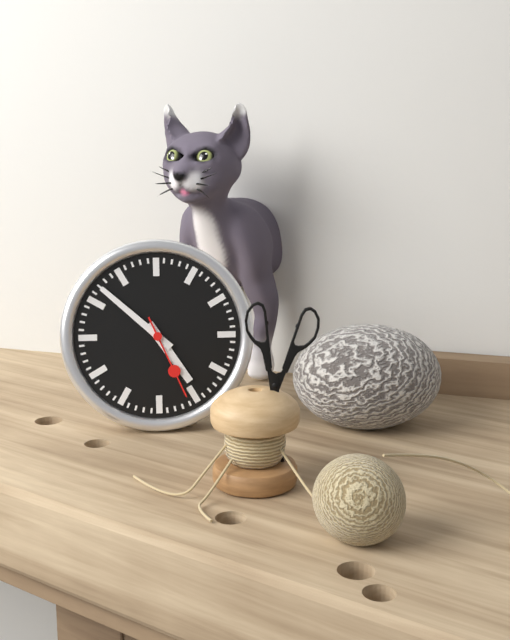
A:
4,52,26
